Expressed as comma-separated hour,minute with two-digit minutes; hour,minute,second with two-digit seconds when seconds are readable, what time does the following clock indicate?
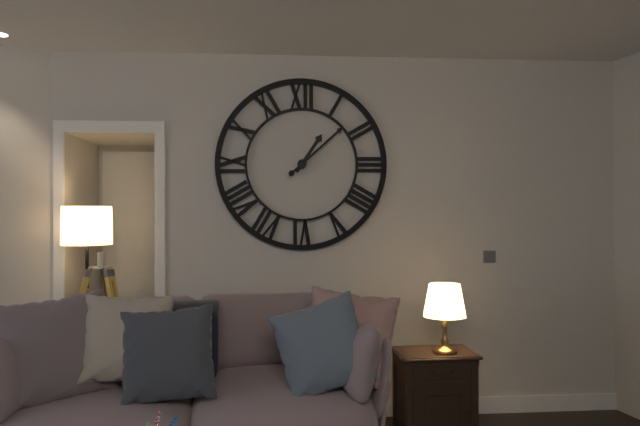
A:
1,08
